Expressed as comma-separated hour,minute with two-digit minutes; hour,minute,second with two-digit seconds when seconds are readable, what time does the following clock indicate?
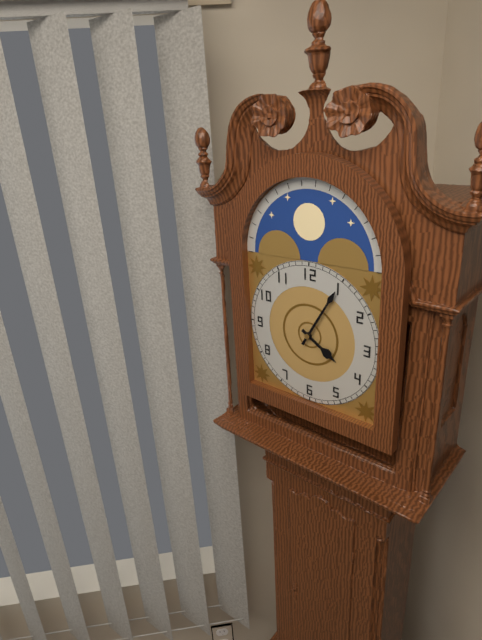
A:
4,05
